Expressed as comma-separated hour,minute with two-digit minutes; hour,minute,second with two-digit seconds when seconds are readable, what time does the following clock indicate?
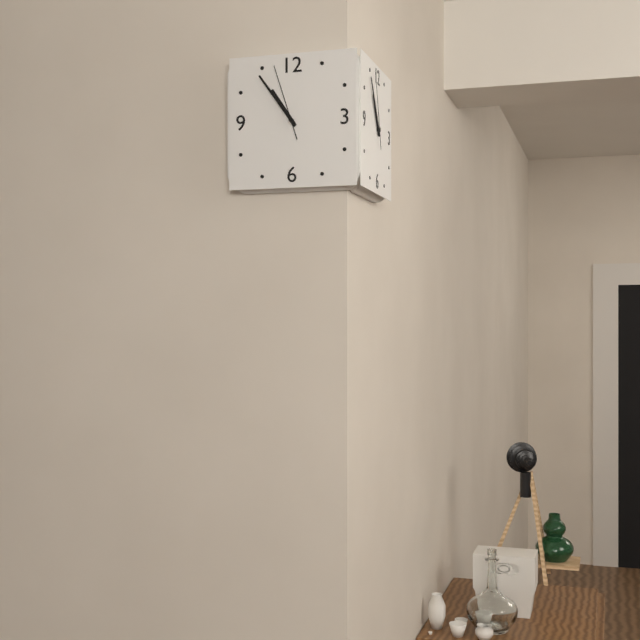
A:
10,54,57
